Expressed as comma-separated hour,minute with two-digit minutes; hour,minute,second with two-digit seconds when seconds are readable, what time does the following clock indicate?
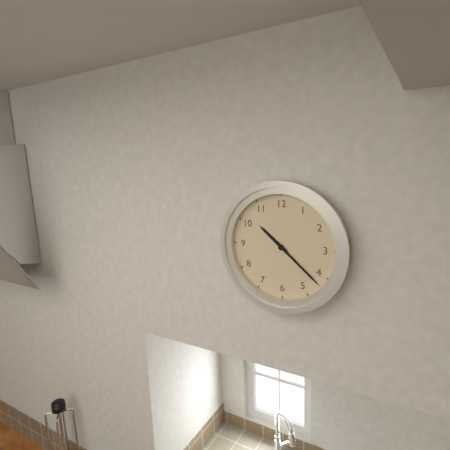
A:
10,22
